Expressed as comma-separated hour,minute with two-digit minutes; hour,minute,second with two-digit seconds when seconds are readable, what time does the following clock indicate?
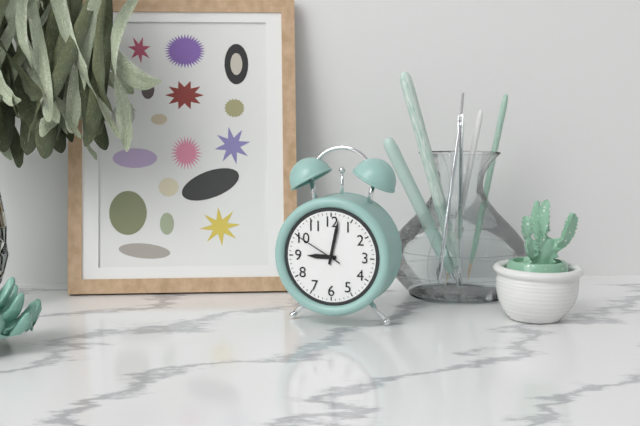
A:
9,02,50
